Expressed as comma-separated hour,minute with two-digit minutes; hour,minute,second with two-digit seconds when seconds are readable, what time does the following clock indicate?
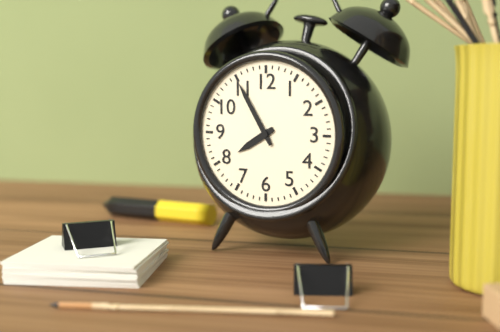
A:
7,55
